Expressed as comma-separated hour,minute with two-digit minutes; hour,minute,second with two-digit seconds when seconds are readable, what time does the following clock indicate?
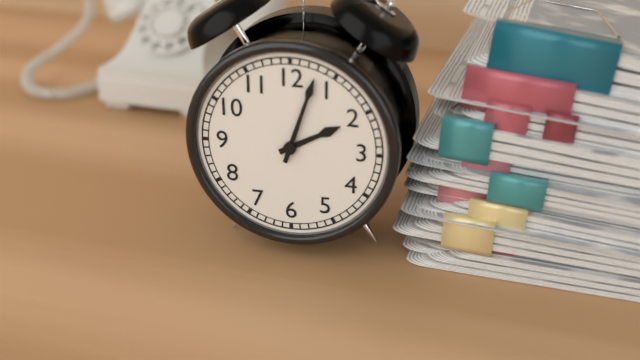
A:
2,03
